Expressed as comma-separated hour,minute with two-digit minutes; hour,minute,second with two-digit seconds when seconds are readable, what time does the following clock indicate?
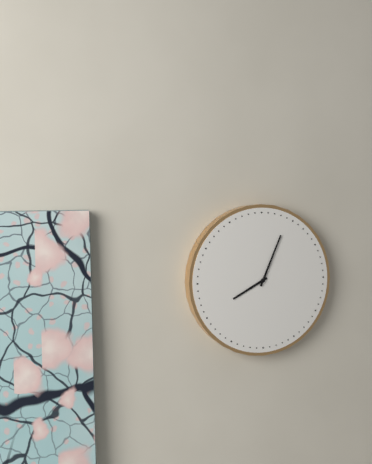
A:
8,04
